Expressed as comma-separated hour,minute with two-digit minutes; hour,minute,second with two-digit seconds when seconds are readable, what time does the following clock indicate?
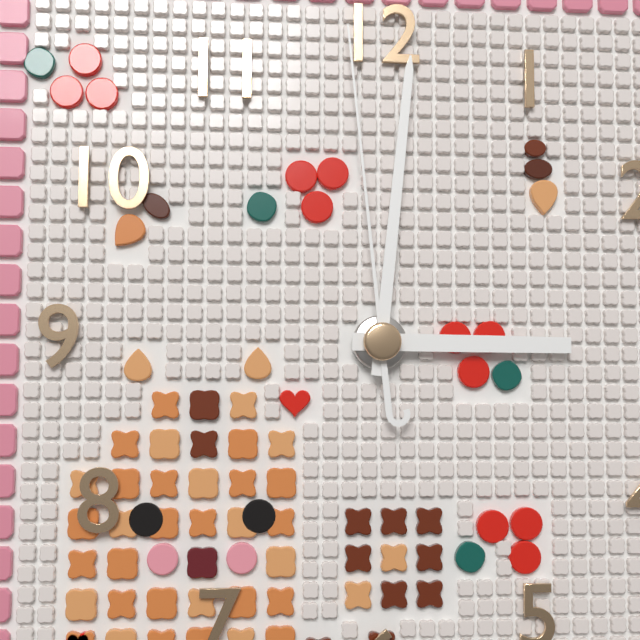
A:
3,01,59
